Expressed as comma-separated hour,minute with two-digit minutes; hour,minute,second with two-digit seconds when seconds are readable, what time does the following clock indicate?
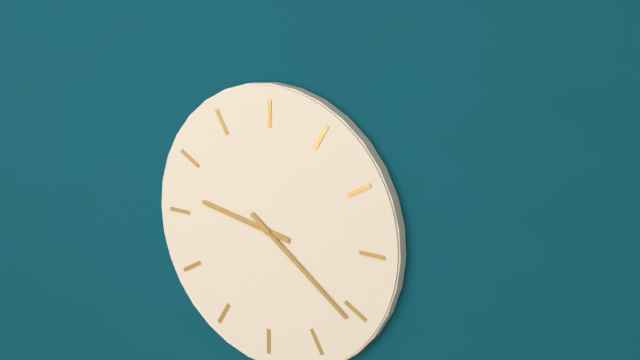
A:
9,21
